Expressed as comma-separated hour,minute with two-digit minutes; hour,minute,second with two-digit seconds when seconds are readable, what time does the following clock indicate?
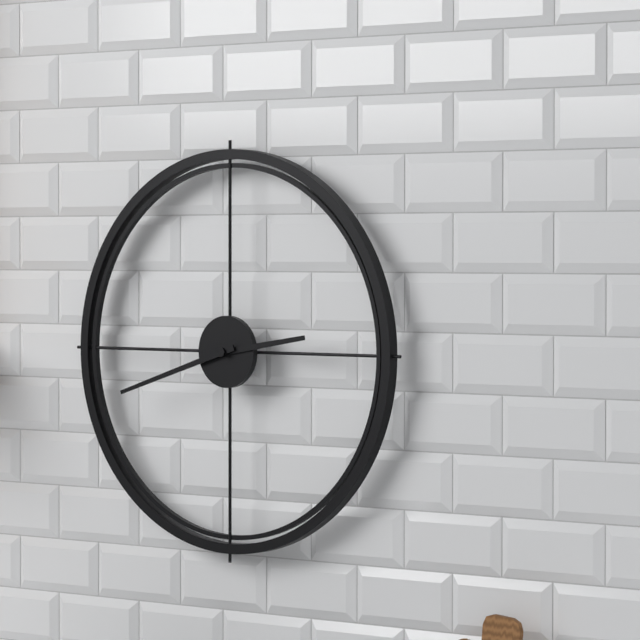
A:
2,42
